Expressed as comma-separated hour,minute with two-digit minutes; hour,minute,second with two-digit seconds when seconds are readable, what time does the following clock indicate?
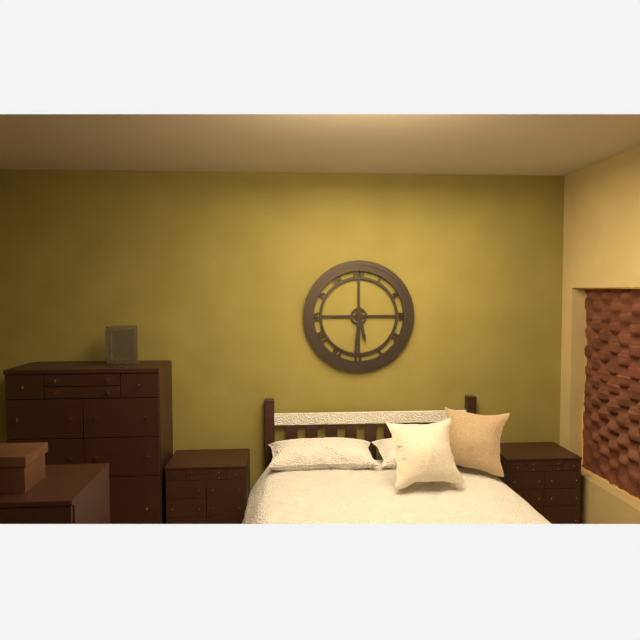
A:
5,31
